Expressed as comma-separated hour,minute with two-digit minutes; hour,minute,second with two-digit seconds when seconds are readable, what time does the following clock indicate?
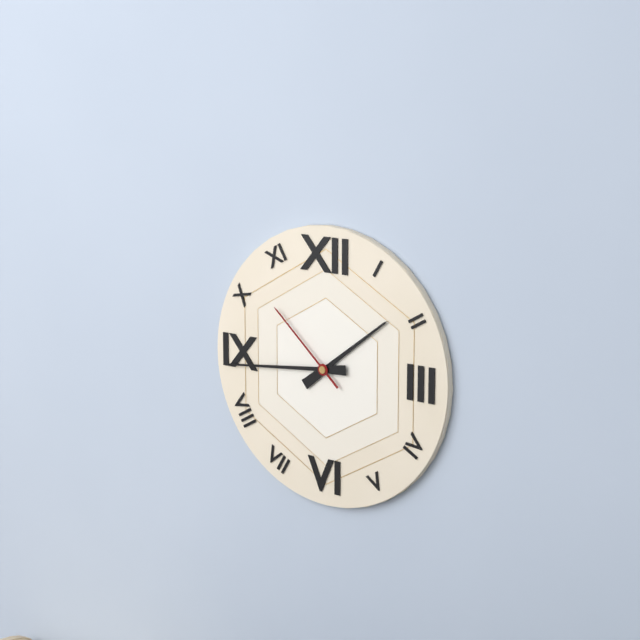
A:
1,44,52
